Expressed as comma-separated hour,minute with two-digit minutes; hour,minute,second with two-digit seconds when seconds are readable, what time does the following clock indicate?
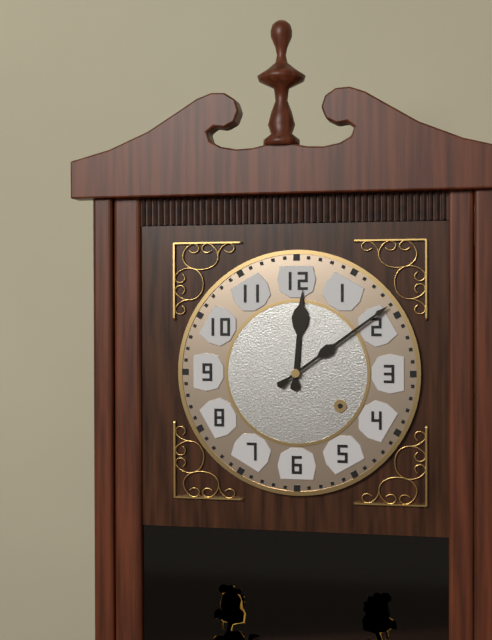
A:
12,09
